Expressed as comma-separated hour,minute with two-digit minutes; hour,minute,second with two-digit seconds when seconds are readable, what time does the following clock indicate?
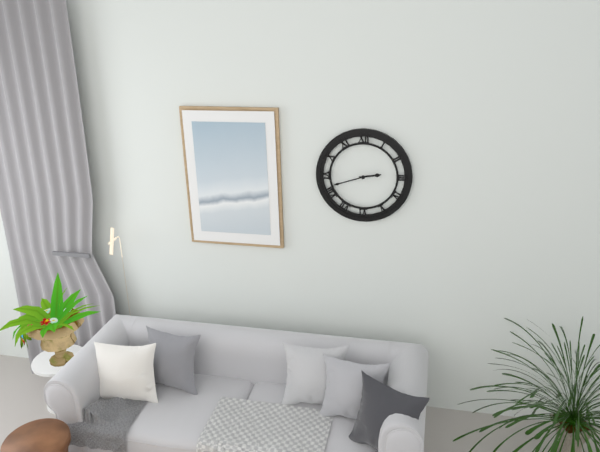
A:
2,42
